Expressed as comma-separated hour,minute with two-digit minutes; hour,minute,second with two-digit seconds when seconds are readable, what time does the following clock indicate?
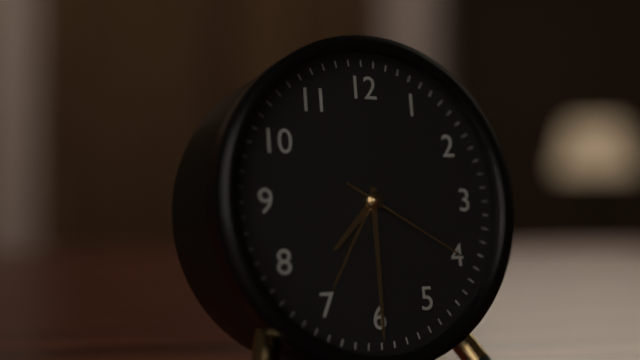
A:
7,30,20
